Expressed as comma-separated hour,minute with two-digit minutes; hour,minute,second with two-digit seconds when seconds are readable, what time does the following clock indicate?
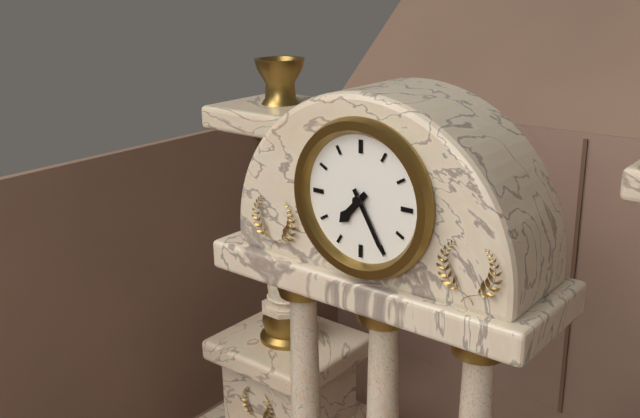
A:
7,25
